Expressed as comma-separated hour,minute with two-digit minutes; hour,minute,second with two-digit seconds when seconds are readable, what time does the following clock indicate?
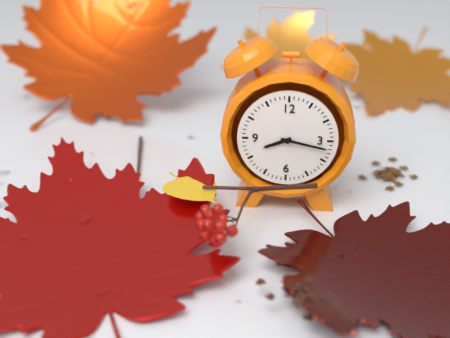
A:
8,17
